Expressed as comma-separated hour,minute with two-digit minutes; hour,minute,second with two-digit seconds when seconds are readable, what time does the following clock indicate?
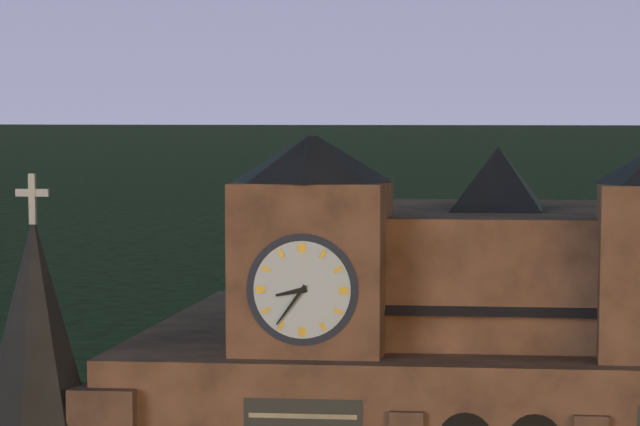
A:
8,36
